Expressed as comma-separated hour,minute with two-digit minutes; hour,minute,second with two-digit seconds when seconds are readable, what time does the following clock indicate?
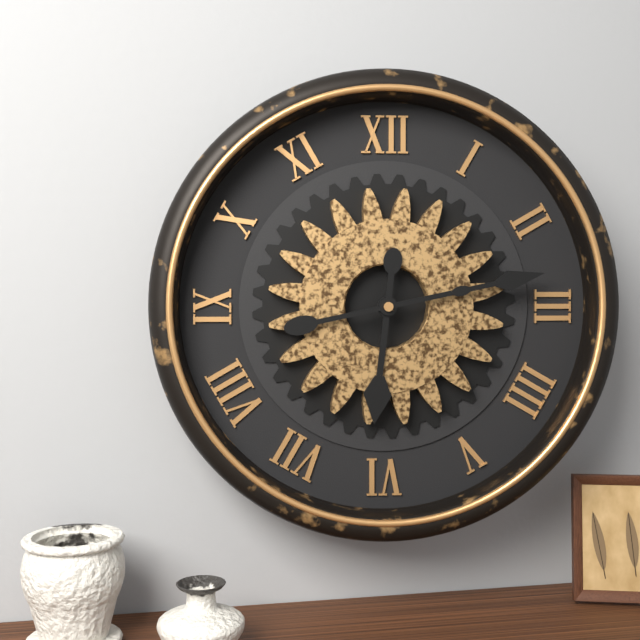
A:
6,13
